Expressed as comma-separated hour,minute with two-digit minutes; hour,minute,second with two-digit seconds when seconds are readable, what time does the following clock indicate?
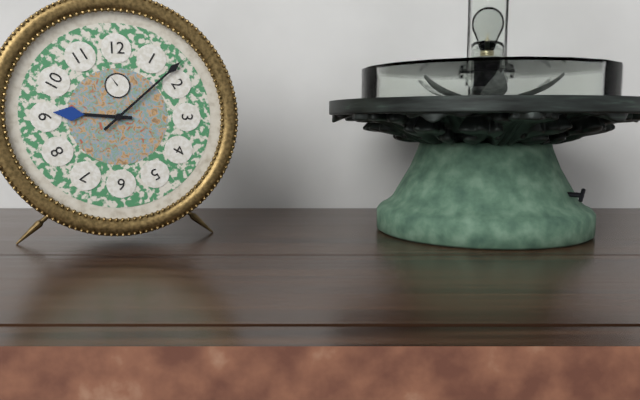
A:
9,08
